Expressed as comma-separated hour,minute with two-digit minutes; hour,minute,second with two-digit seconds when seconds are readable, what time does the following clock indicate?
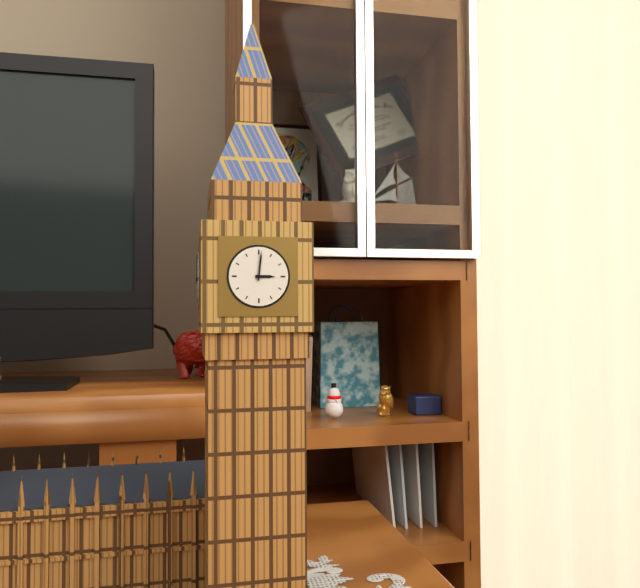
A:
3,01
